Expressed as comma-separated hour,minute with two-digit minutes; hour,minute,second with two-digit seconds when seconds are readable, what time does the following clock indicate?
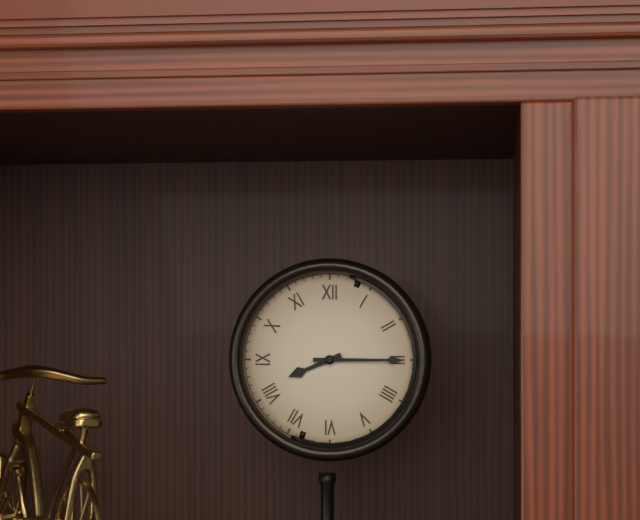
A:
8,15
